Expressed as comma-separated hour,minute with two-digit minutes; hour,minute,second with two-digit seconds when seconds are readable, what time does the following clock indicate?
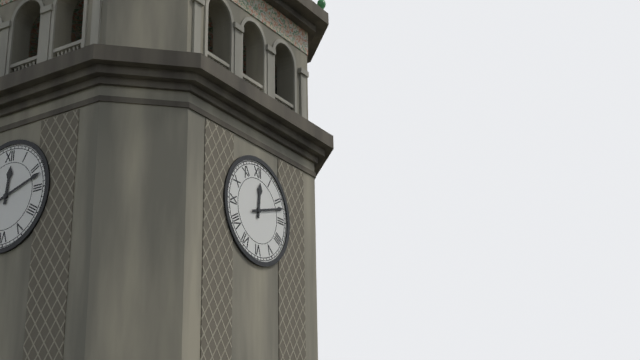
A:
12,12
